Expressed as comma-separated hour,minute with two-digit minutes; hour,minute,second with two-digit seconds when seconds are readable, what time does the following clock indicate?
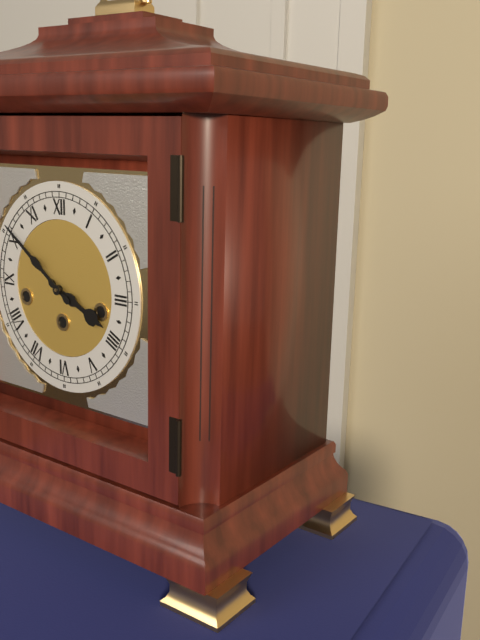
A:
3,51
